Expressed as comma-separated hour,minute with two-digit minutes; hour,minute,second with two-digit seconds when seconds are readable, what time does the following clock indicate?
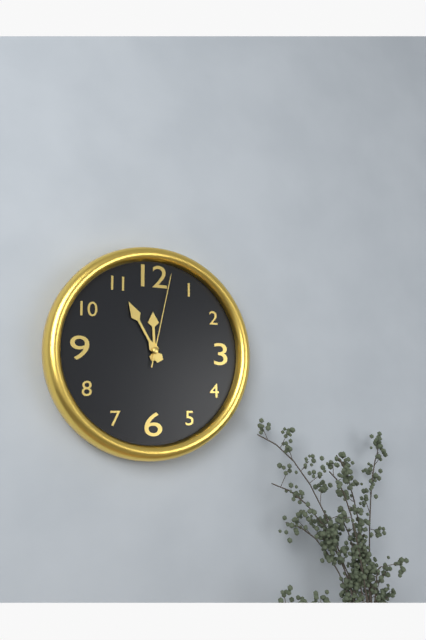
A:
11,55,02
